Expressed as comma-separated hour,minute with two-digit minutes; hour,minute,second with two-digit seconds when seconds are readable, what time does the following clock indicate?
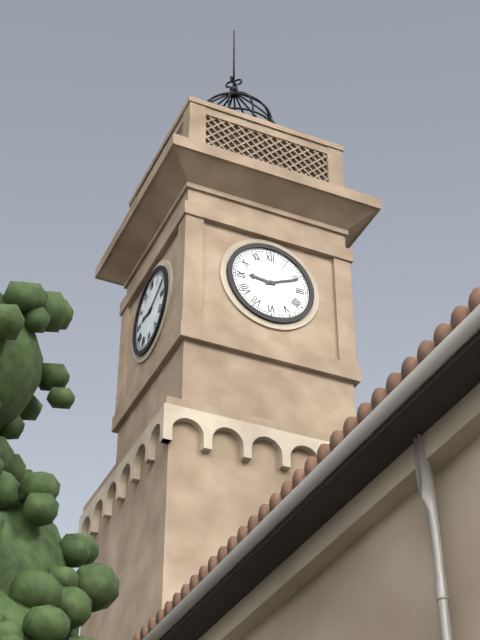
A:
9,11
